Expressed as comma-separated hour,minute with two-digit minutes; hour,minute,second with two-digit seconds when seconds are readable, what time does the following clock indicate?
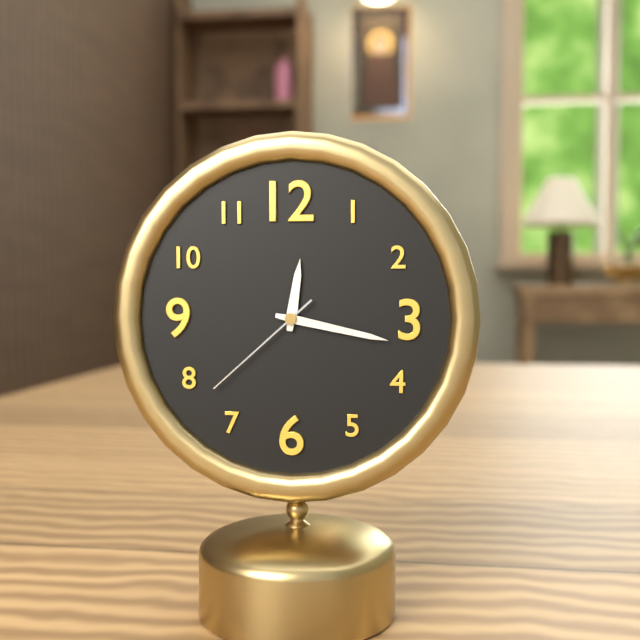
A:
12,17,38
